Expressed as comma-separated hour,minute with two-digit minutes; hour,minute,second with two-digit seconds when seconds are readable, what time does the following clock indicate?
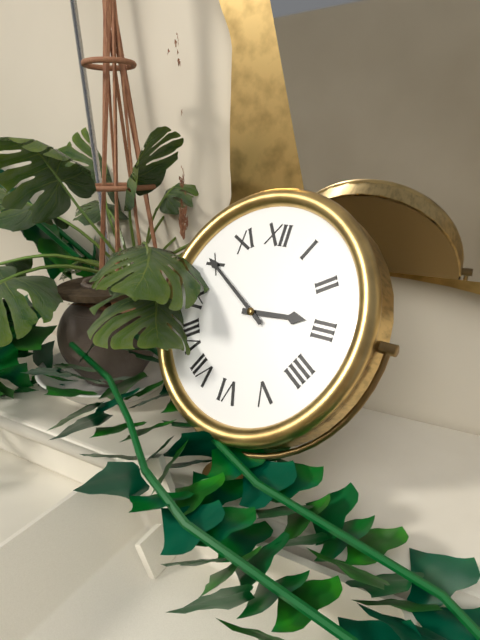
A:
2,50
